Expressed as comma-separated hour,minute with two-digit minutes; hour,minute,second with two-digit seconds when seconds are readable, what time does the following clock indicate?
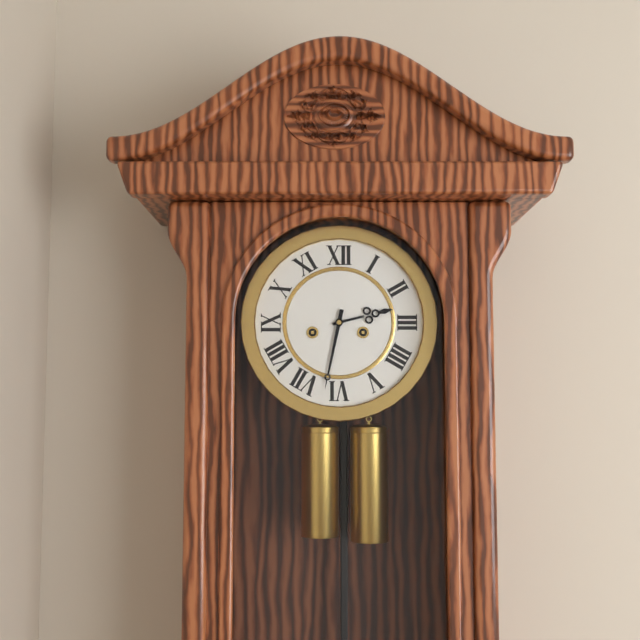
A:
2,32
